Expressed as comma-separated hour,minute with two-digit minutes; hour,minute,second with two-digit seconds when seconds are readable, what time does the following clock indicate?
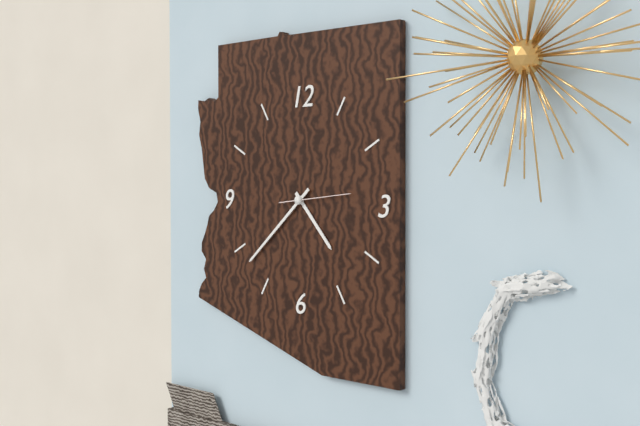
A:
4,38
